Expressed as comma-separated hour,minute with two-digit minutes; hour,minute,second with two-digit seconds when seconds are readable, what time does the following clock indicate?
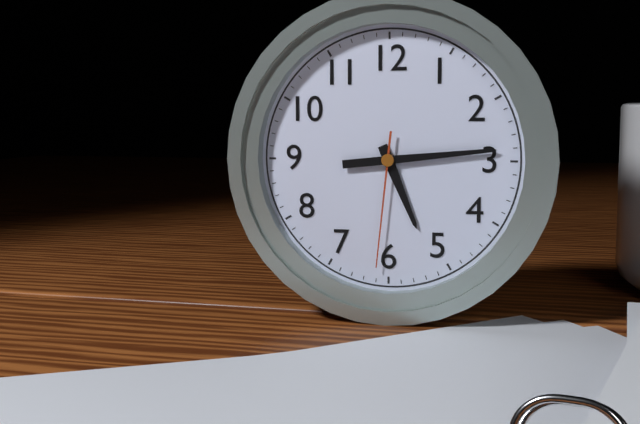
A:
5,14,31
